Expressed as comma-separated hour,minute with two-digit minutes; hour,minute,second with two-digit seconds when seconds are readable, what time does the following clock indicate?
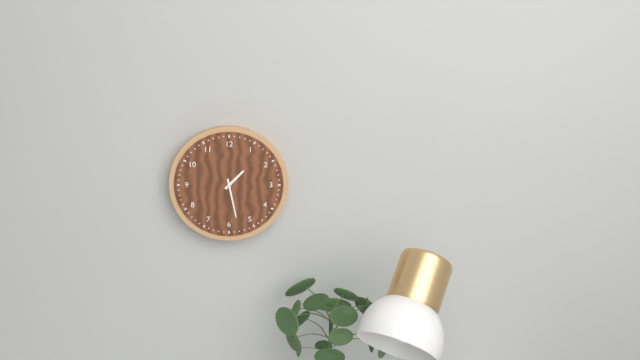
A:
1,28
